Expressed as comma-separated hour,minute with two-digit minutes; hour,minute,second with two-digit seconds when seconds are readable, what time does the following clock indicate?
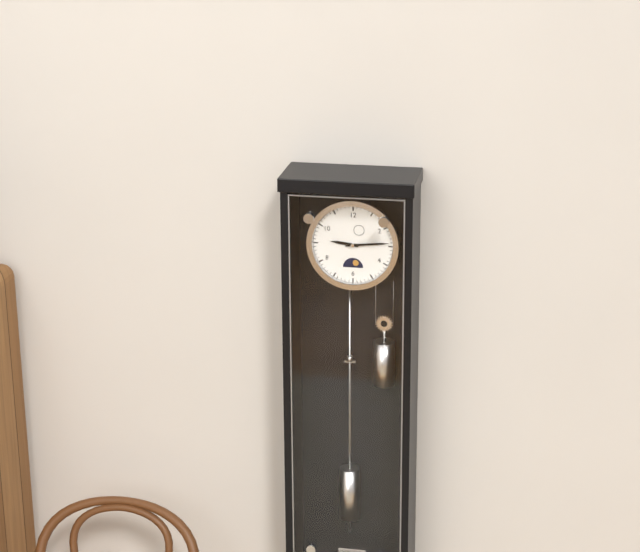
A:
9,14
